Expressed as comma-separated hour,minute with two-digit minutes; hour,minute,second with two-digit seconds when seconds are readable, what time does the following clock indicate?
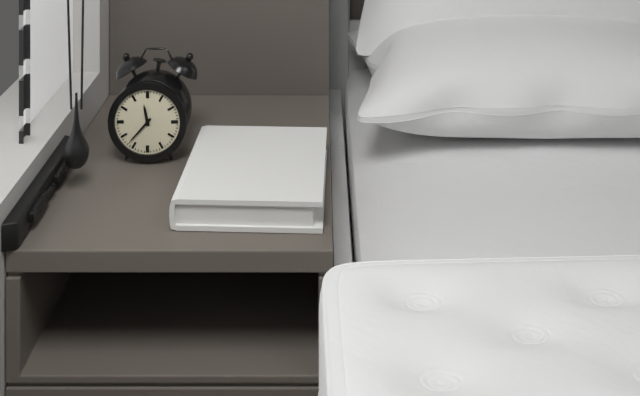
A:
11,37
